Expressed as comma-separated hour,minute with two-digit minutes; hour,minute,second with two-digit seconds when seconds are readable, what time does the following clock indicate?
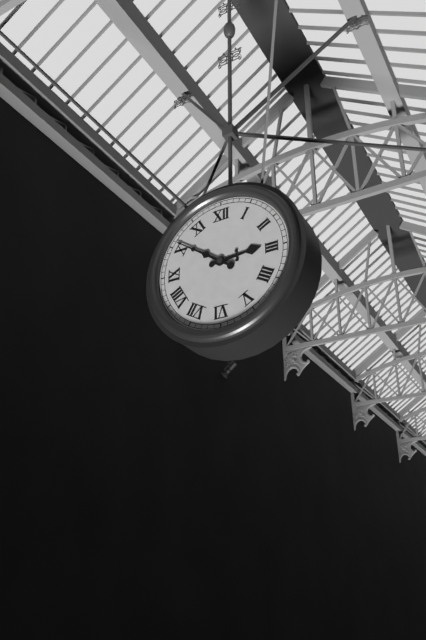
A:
2,51
